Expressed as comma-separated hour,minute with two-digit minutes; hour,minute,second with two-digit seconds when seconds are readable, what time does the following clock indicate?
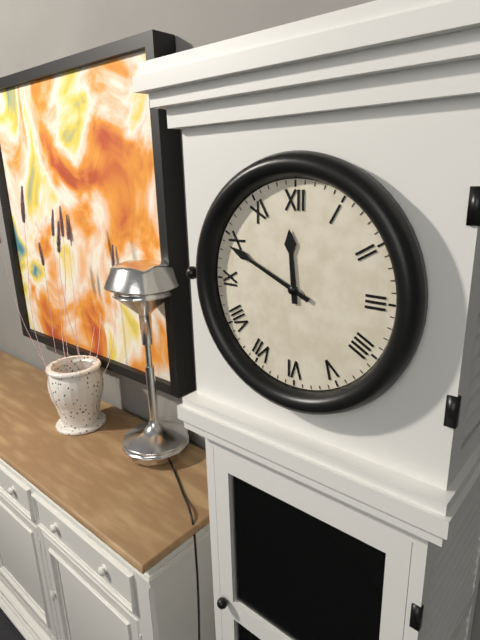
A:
11,49
